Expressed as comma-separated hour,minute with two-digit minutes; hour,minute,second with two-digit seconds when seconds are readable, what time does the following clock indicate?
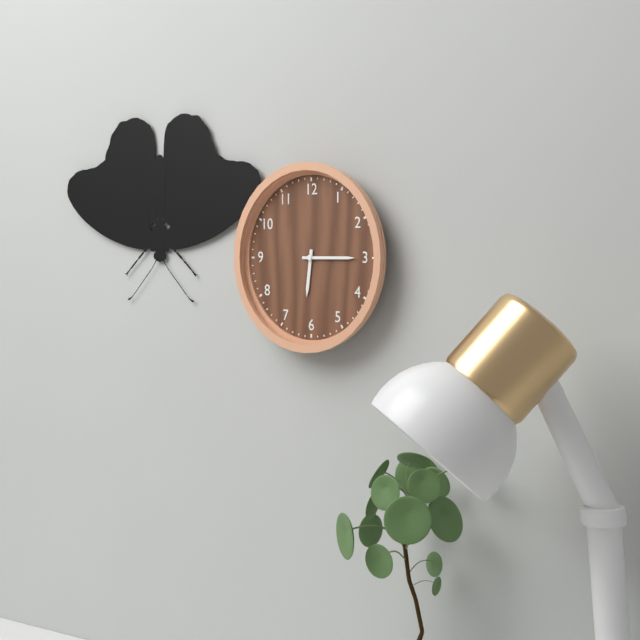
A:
6,15
